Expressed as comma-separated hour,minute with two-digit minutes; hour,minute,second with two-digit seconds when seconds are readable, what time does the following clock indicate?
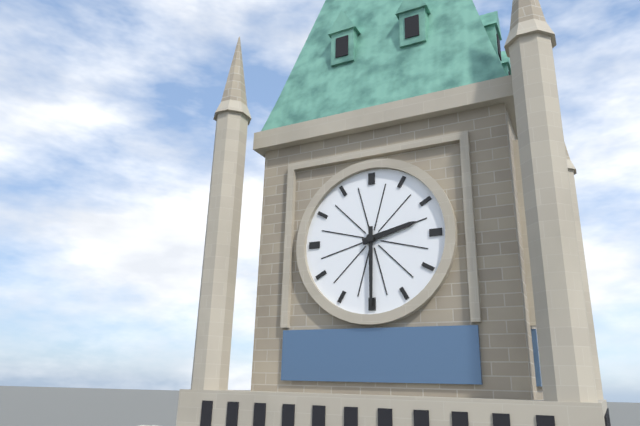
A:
2,30
